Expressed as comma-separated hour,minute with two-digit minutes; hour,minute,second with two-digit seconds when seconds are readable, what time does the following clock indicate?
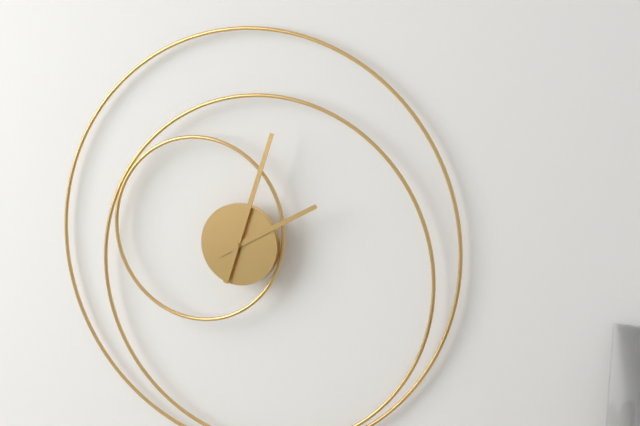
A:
2,03
